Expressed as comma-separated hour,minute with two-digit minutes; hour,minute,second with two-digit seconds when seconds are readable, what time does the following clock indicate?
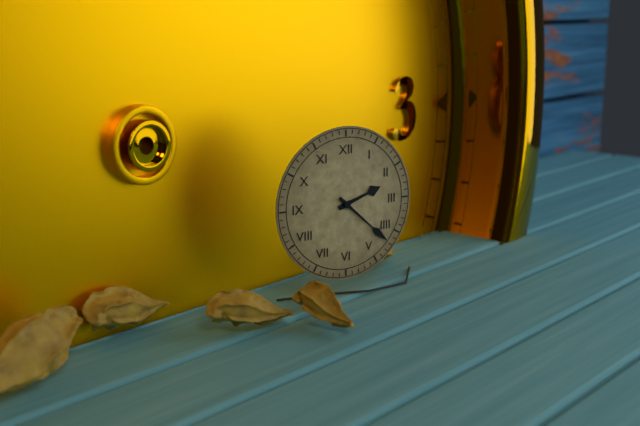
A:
2,22
